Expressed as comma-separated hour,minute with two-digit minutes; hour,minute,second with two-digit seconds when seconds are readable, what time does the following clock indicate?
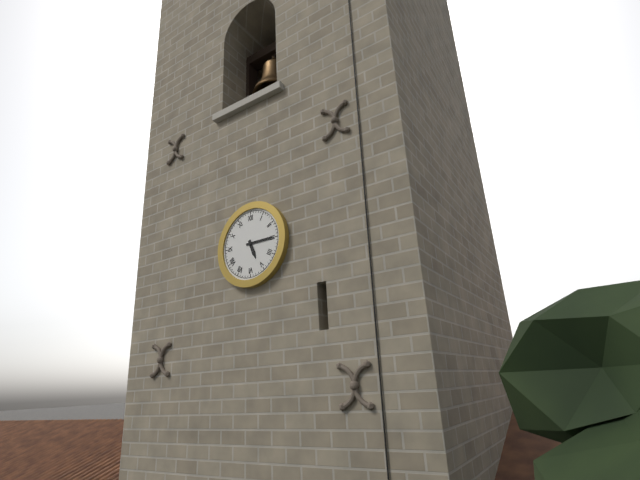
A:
5,15
